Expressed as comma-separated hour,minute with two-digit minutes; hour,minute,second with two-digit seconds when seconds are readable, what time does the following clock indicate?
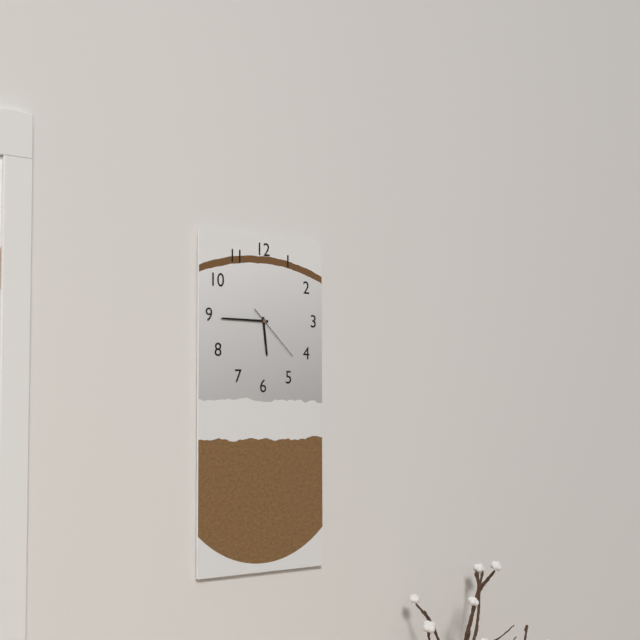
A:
5,45,22
